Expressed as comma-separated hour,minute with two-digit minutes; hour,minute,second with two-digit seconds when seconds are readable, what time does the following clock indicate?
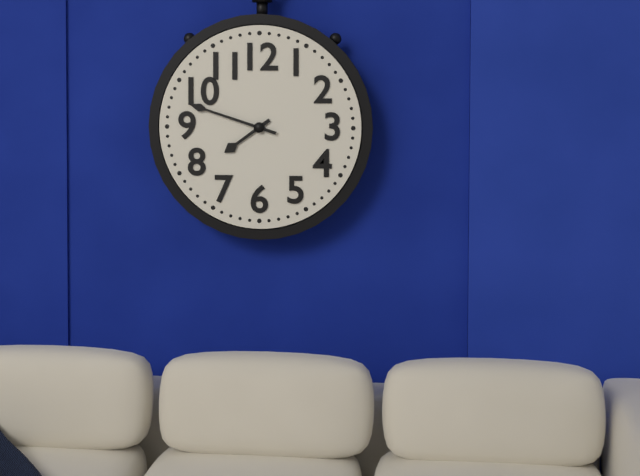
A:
7,48
